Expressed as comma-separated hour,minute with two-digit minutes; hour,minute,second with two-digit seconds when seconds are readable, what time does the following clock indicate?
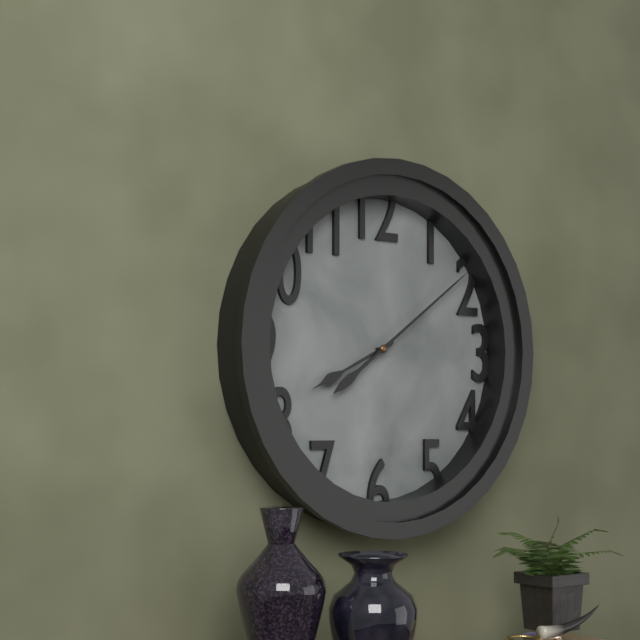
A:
8,09
